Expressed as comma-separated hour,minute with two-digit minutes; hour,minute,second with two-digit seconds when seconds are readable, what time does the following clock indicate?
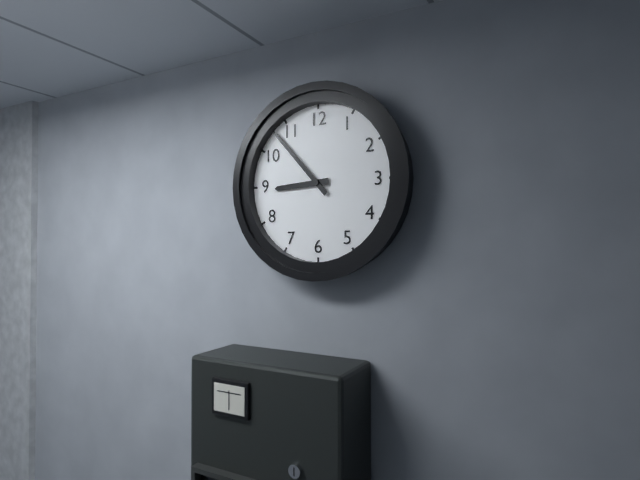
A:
8,53
